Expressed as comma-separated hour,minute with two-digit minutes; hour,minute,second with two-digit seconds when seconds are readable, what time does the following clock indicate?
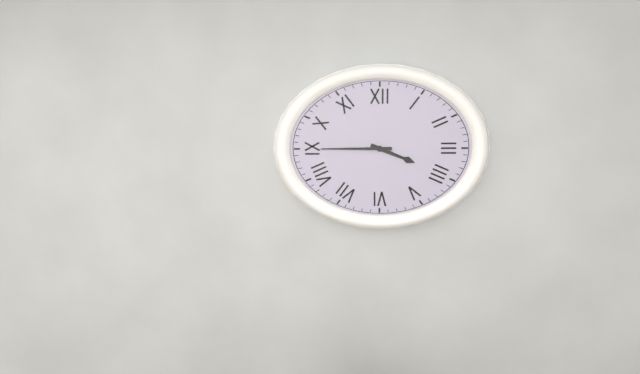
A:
3,45
